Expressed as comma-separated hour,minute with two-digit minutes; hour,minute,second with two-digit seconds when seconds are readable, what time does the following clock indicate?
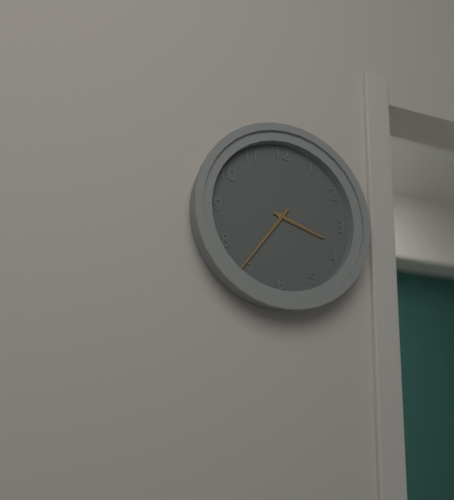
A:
3,36
